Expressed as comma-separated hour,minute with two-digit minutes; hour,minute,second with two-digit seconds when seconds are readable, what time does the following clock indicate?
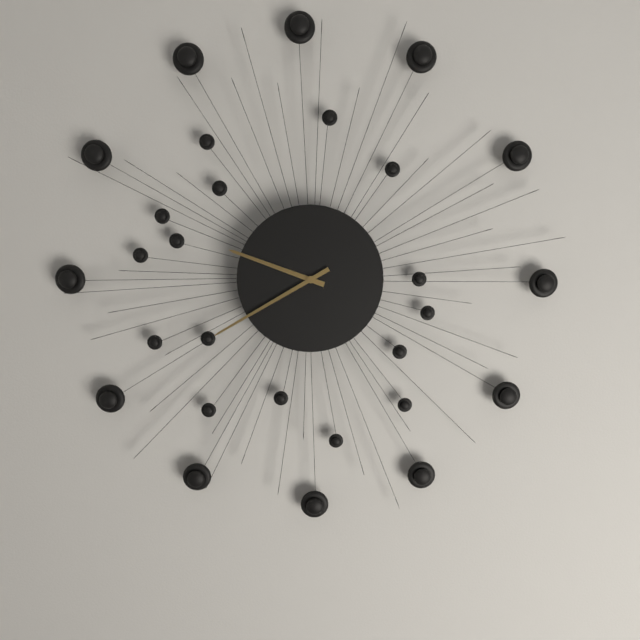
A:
9,40
